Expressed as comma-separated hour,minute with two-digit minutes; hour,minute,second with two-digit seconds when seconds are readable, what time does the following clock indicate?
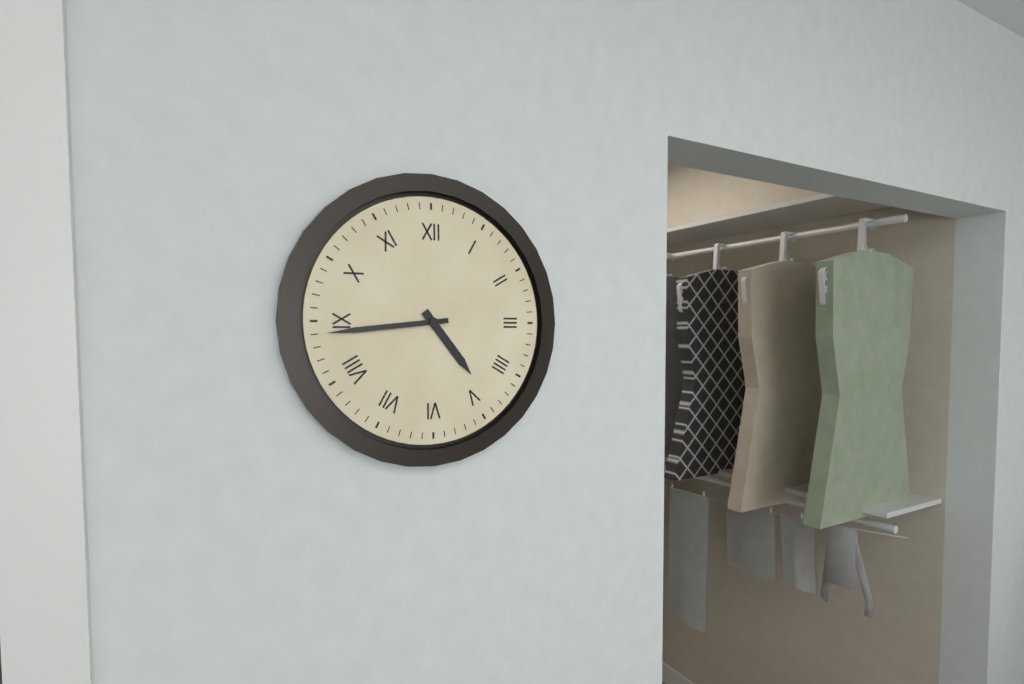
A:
4,44
